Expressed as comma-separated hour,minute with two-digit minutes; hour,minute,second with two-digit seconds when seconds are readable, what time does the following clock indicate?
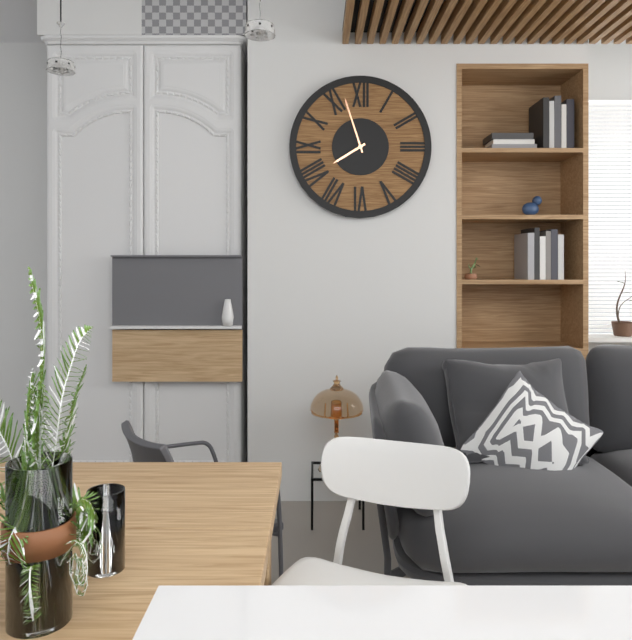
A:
7,57
